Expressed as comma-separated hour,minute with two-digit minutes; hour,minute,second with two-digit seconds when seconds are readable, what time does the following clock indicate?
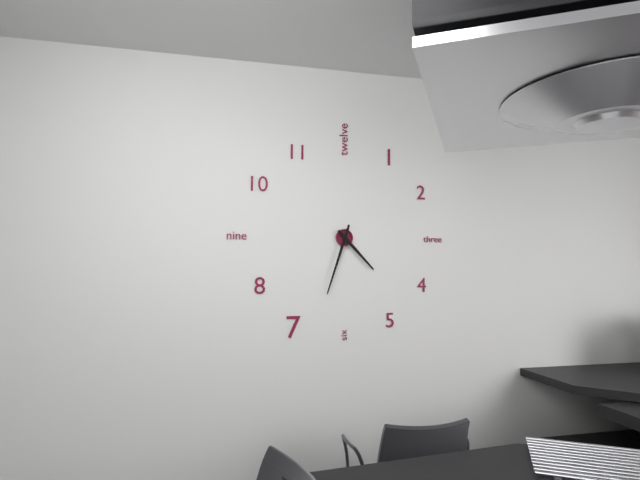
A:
4,33
